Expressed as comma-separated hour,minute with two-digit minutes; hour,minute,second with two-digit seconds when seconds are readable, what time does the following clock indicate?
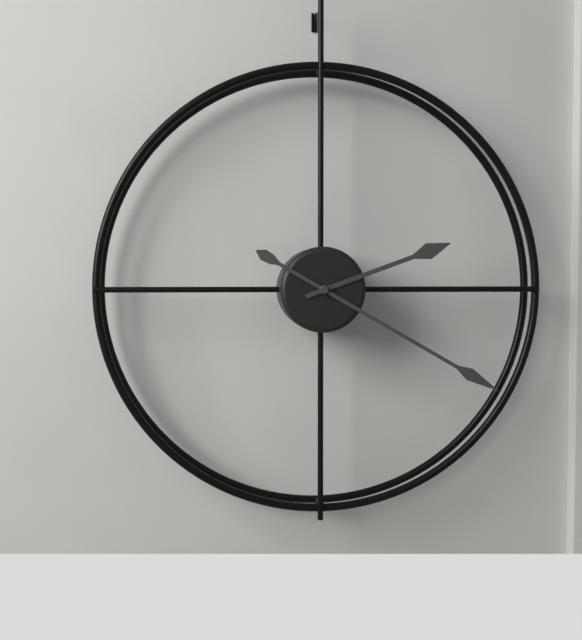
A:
2,20
